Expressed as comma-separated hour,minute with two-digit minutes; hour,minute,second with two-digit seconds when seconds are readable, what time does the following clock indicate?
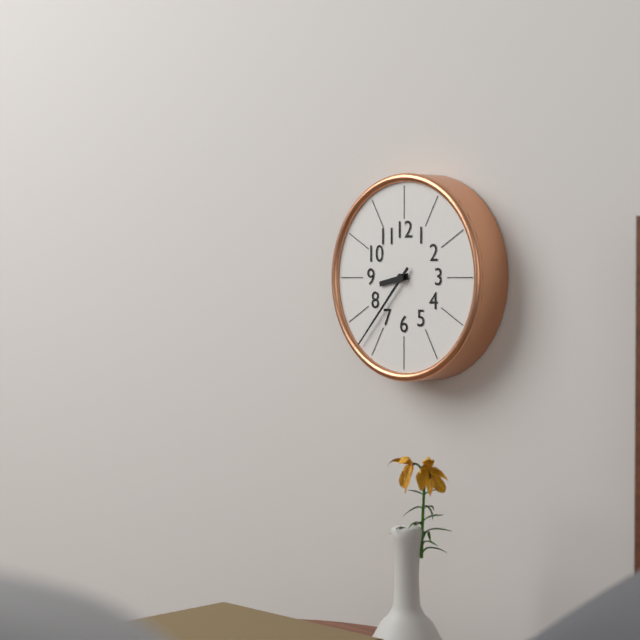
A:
8,37
